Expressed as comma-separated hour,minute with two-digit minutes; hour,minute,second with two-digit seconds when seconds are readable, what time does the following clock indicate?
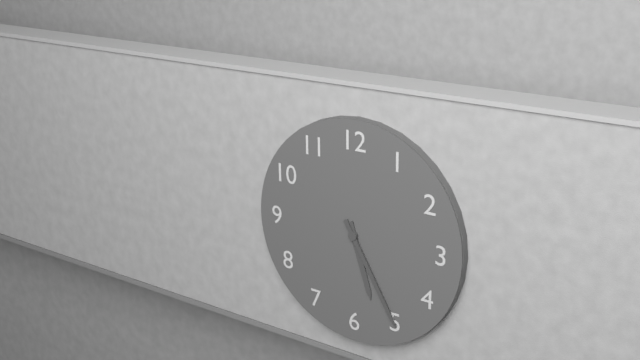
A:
5,25
